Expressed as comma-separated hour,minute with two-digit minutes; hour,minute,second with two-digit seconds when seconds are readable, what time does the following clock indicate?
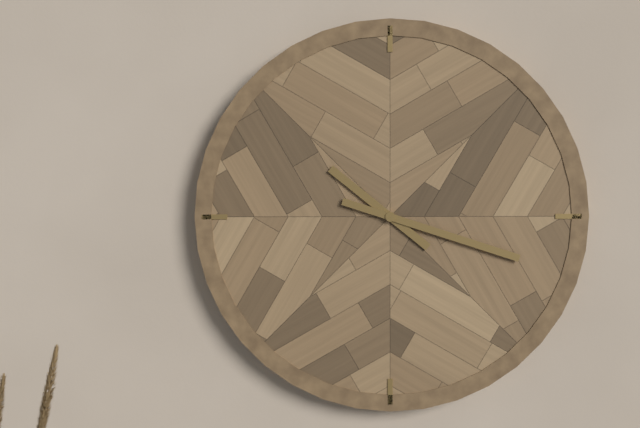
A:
10,18
